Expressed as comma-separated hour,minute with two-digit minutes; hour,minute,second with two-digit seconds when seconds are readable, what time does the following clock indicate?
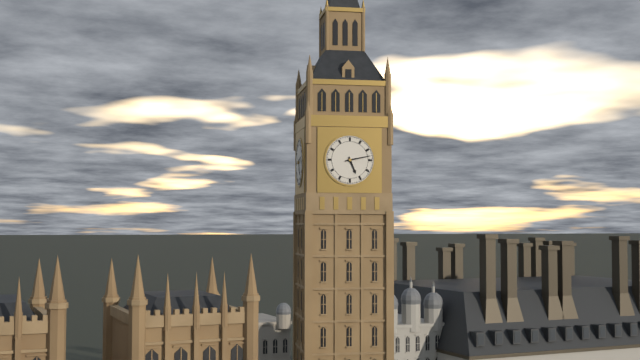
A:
5,13
